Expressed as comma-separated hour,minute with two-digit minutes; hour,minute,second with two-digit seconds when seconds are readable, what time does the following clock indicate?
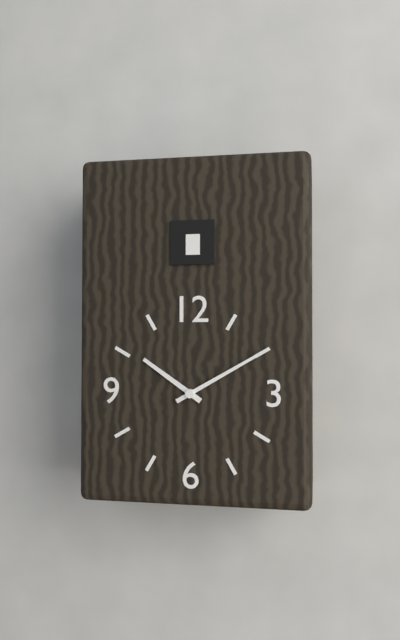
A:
10,10
